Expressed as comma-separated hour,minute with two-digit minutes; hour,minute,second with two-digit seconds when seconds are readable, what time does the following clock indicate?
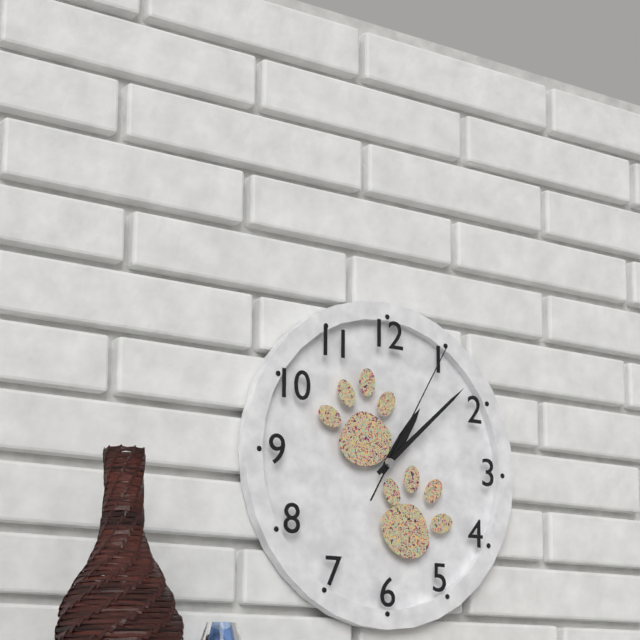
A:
1,08,05
